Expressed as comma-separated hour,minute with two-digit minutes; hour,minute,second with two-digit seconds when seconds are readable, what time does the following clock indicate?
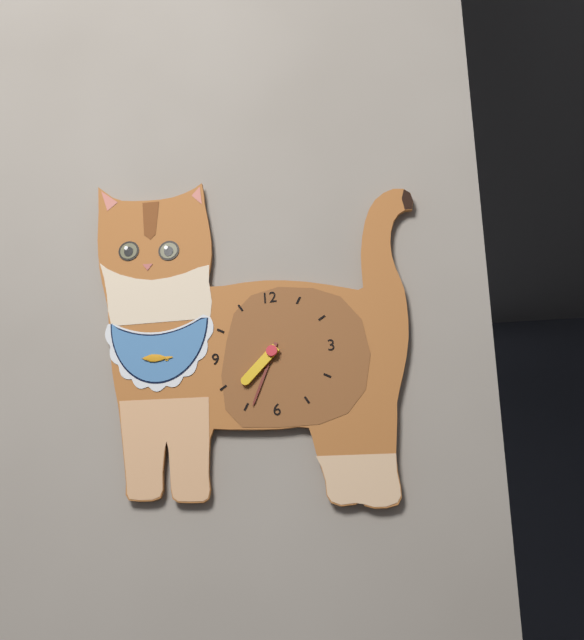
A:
7,34
